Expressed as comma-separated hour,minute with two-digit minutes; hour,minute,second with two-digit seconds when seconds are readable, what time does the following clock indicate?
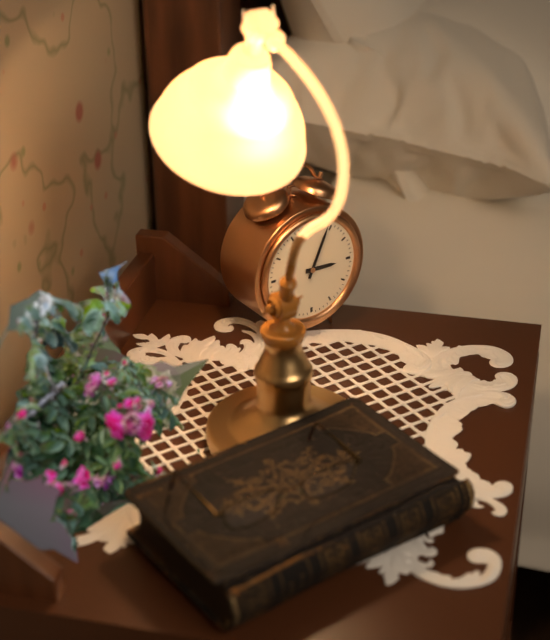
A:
3,04
